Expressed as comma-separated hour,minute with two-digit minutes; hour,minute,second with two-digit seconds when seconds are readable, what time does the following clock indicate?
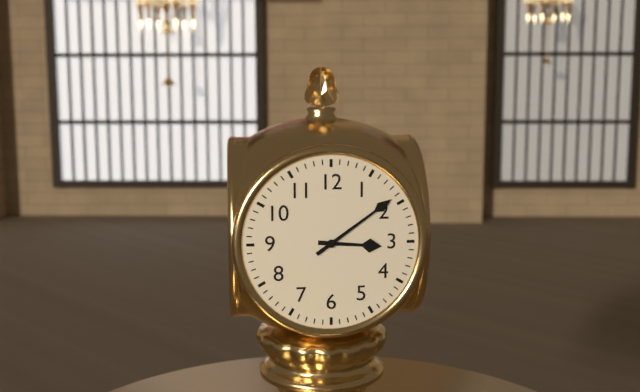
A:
3,09
